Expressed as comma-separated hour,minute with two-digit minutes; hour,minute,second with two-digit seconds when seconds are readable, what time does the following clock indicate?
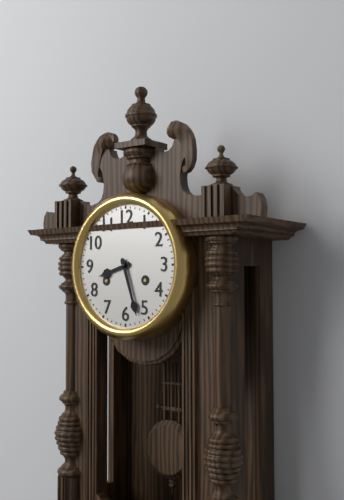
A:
8,27
